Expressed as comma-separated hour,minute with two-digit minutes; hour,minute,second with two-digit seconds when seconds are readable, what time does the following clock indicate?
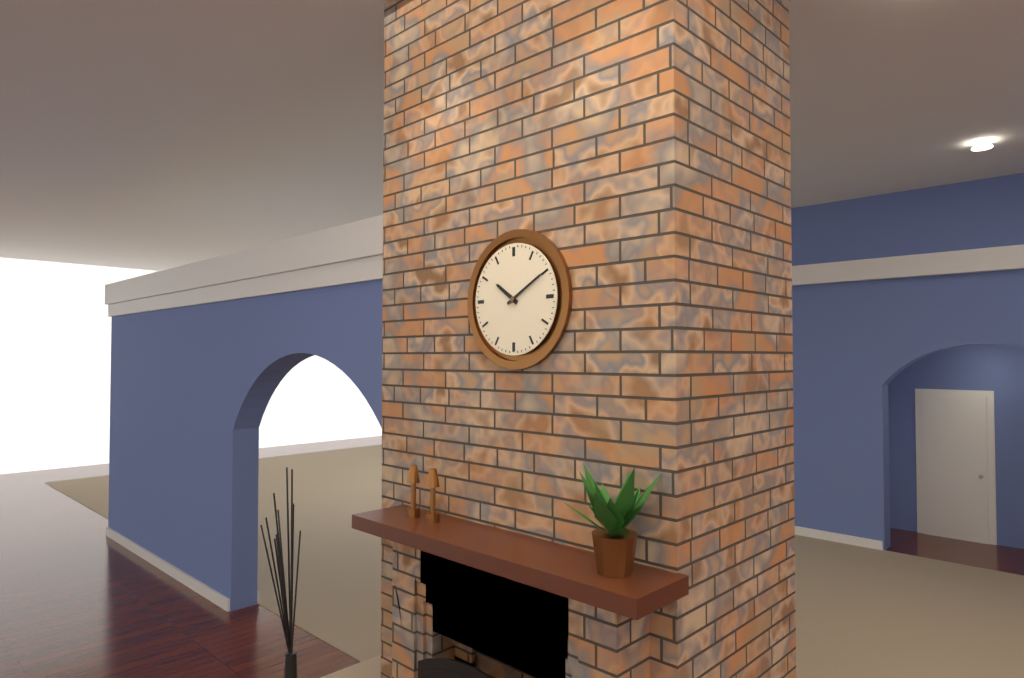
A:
10,10
